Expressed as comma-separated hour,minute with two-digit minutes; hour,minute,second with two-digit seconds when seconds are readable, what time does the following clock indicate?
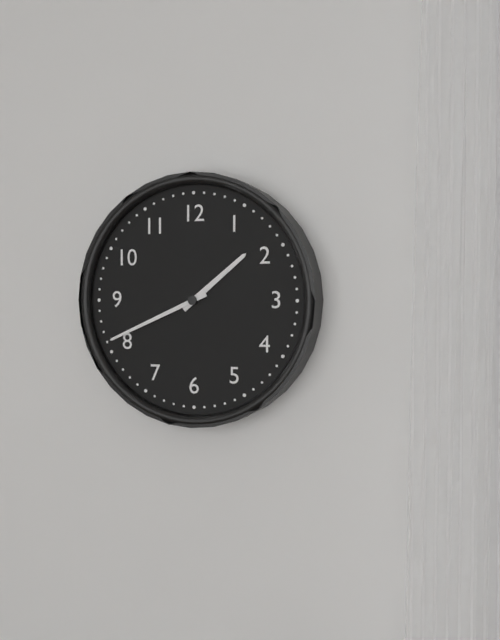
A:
1,41
